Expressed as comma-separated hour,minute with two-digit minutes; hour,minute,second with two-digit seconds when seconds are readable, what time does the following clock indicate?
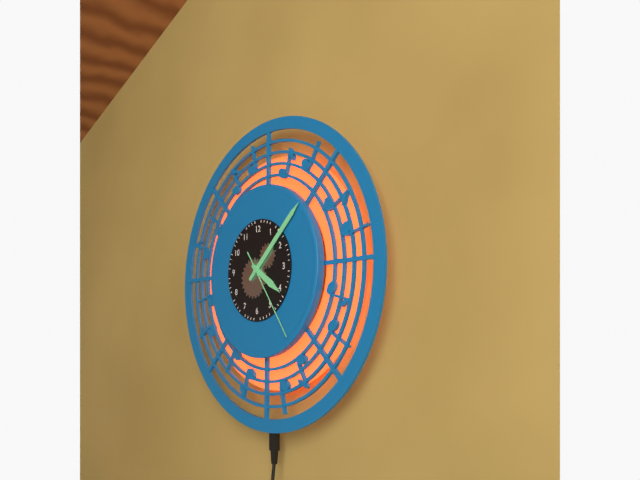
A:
4,08,24
